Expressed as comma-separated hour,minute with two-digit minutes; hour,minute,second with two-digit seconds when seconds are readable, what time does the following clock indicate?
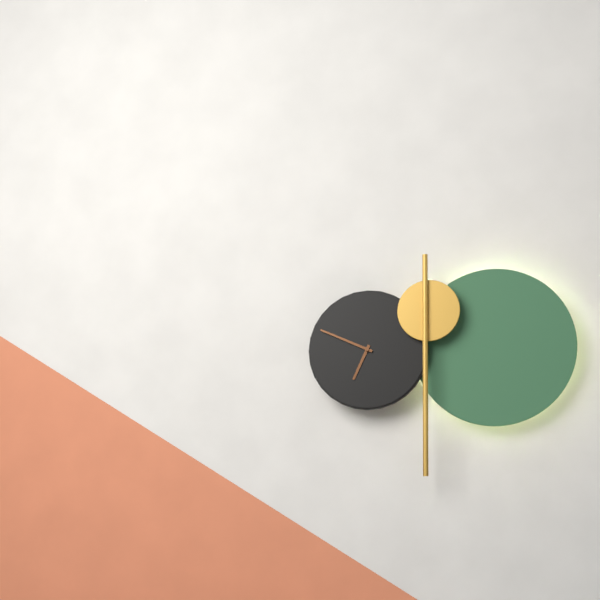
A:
6,49
